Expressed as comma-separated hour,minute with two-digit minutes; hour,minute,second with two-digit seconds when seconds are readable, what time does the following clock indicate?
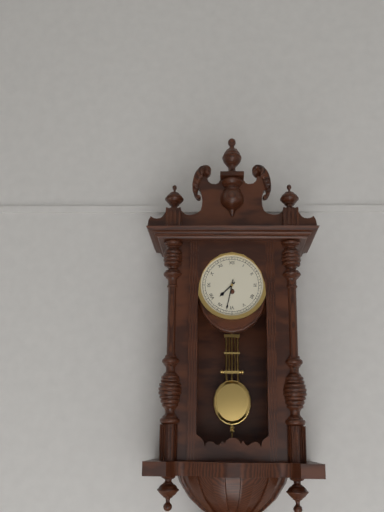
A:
7,32
